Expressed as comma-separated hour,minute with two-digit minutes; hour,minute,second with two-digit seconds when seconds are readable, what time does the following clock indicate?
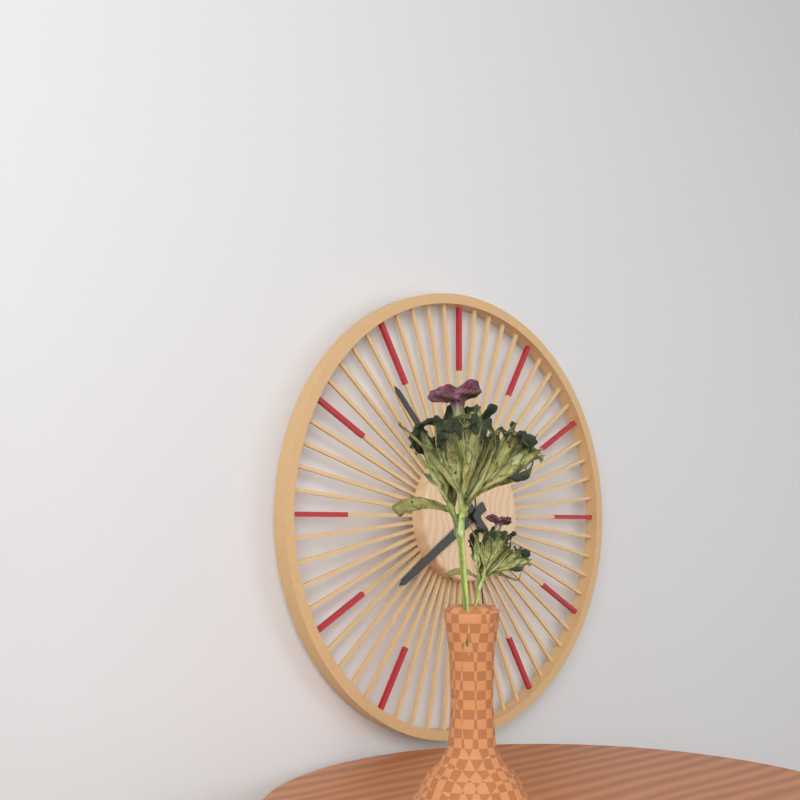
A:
7,53
